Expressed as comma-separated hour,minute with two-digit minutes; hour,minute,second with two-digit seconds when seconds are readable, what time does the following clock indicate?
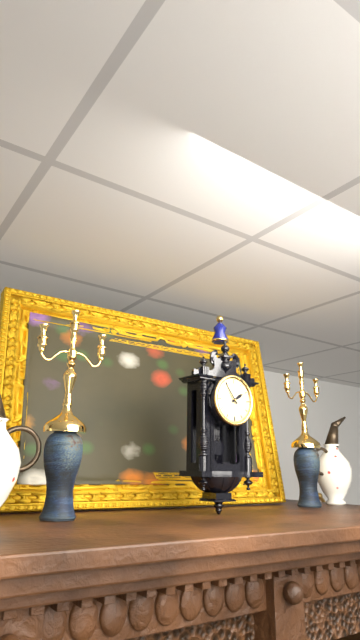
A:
1,54
